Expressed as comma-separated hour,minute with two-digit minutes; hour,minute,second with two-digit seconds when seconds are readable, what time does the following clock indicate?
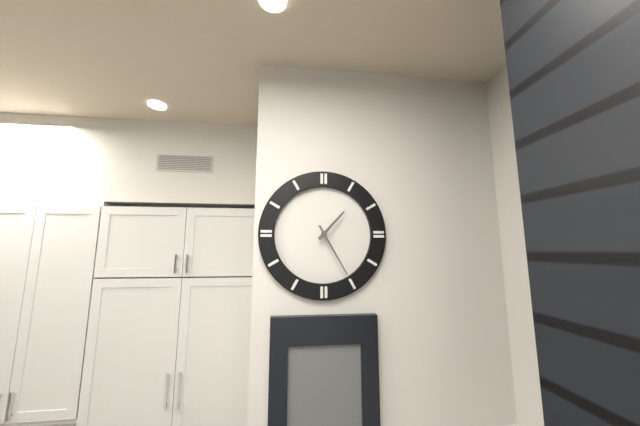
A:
1,25
